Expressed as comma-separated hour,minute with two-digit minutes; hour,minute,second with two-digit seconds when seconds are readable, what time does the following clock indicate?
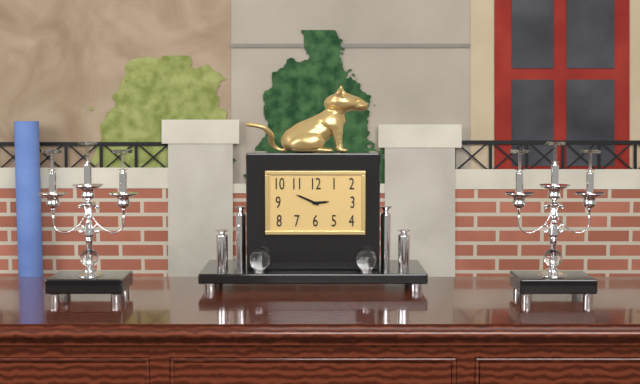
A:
2,49
